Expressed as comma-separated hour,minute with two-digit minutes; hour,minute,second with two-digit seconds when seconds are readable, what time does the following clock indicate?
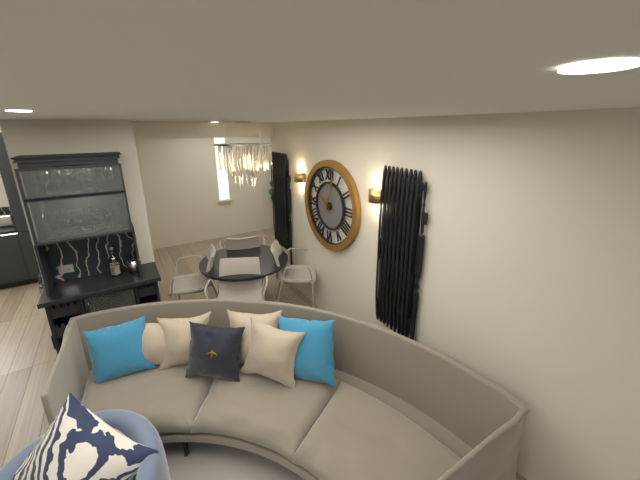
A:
10,03
